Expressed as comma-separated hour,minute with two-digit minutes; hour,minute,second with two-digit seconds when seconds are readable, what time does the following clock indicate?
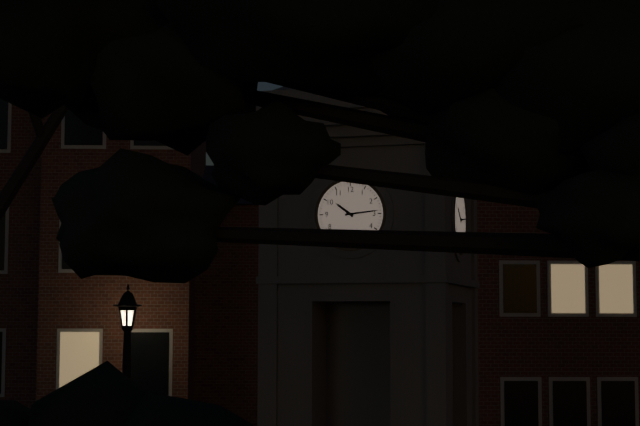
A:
10,14
